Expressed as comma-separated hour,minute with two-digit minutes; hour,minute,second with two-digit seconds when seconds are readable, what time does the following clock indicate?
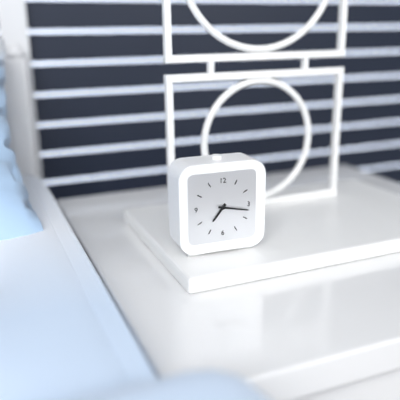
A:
7,17
